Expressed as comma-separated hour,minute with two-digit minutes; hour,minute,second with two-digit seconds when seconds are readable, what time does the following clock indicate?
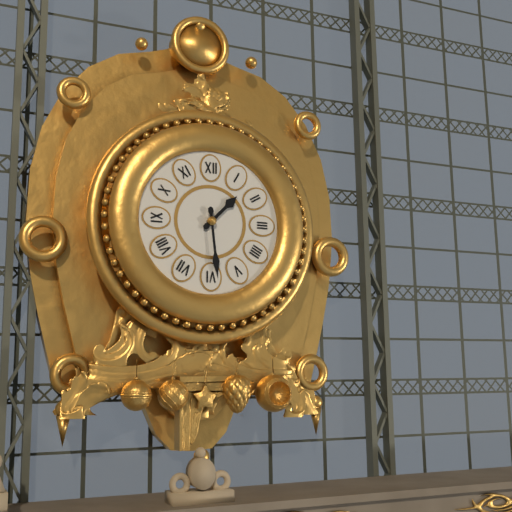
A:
1,29
